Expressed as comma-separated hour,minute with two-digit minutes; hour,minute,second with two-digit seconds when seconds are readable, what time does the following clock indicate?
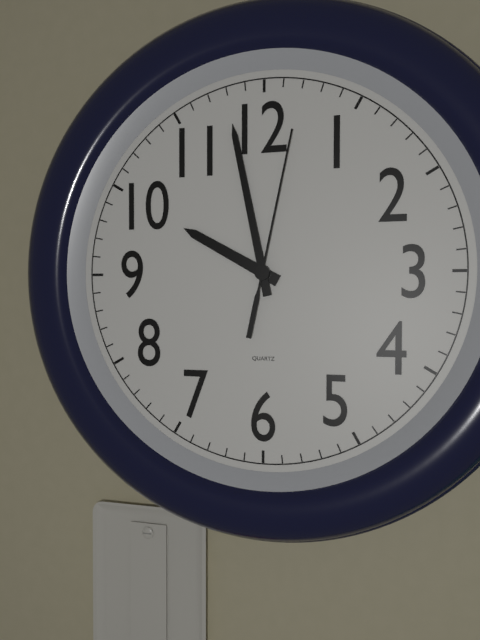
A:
9,58,02
